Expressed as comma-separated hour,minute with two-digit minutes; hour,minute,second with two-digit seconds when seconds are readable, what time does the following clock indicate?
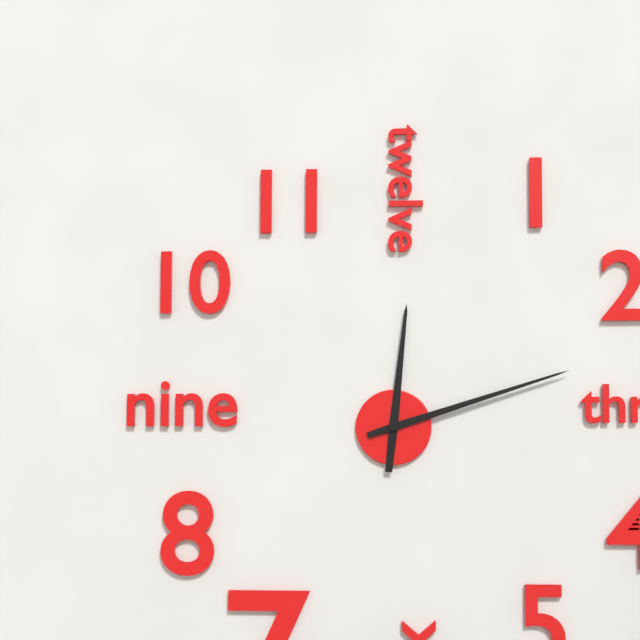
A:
12,12
